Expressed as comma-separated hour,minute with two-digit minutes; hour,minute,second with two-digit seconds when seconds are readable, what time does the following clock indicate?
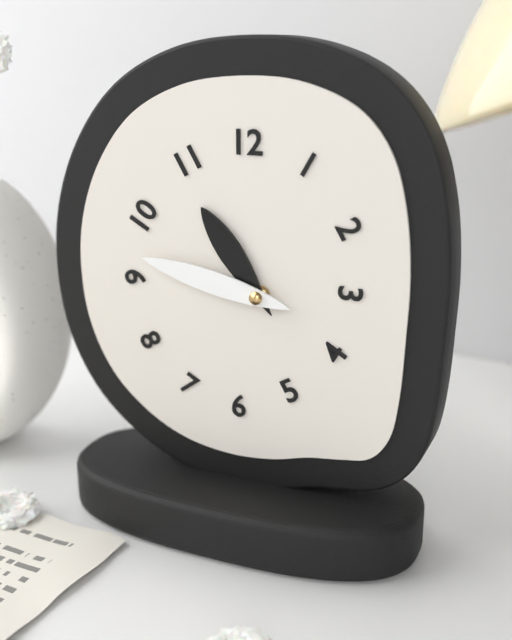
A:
10,47
